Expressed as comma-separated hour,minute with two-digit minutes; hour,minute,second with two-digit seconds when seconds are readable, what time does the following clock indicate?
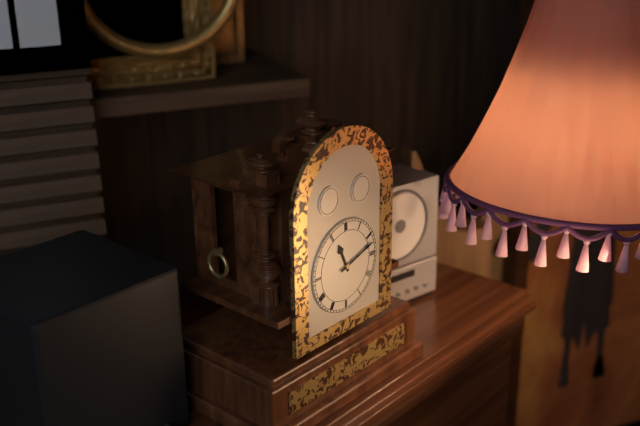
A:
11,12
